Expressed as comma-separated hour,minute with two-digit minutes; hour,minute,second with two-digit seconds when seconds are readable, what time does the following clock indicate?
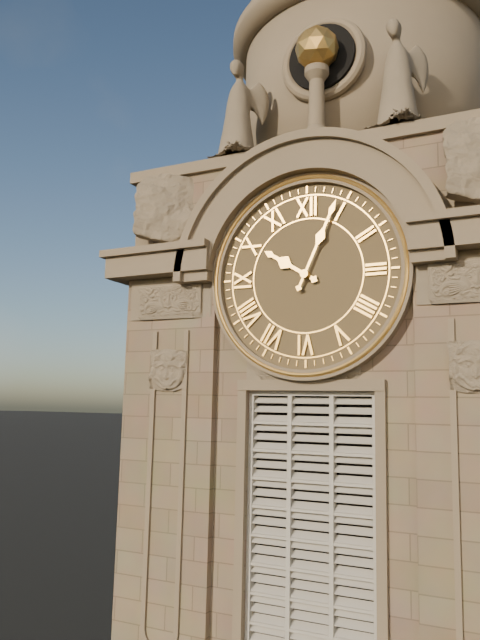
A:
10,04
